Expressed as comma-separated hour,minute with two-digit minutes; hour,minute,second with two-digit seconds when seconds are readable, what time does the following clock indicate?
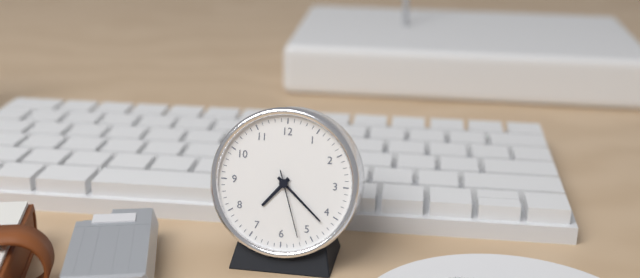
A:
7,22,27
